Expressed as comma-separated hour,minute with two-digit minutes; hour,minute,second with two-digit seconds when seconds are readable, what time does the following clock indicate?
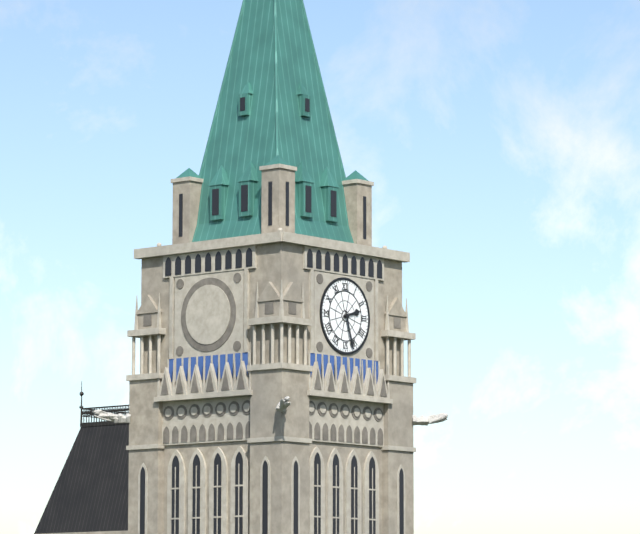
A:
2,27
